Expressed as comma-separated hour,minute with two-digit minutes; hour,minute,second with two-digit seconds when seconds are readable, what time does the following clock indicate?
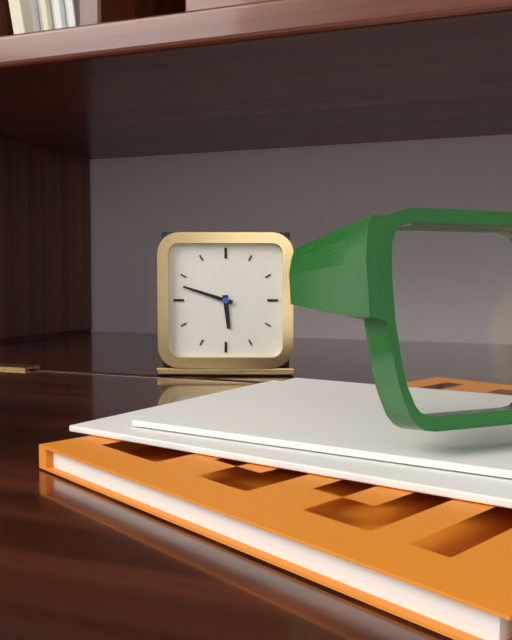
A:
5,48
